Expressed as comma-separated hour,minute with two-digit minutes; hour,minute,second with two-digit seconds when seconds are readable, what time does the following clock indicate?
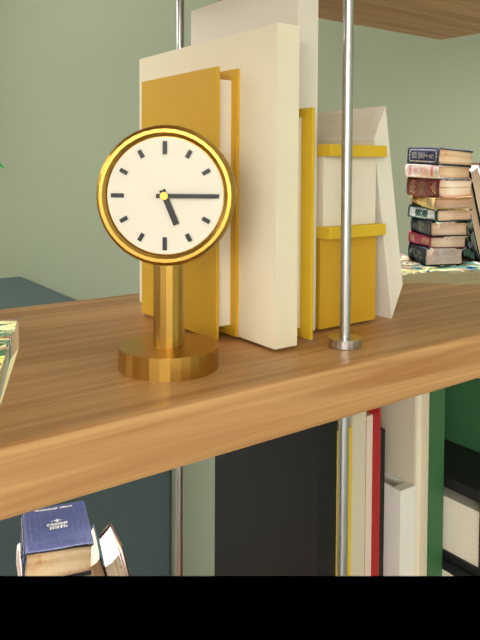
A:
5,15
